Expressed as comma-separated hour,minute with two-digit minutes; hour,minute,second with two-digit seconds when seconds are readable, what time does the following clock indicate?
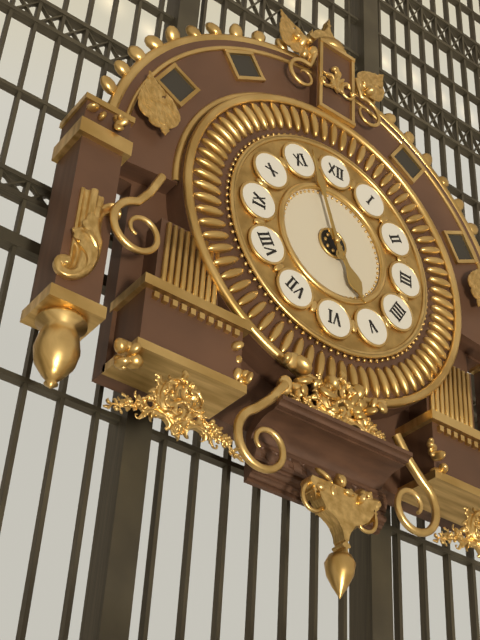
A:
4,57
